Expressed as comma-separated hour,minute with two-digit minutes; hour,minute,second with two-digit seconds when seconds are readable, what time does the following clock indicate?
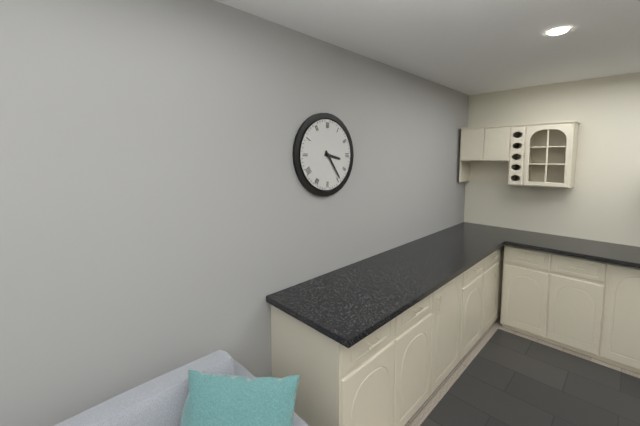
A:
3,24
